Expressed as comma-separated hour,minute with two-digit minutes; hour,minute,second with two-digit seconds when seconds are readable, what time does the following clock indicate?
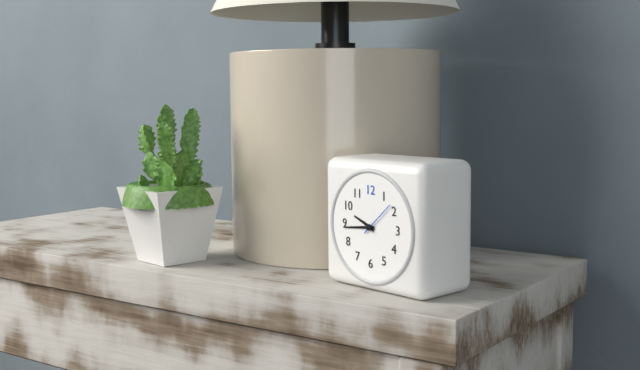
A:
9,44
